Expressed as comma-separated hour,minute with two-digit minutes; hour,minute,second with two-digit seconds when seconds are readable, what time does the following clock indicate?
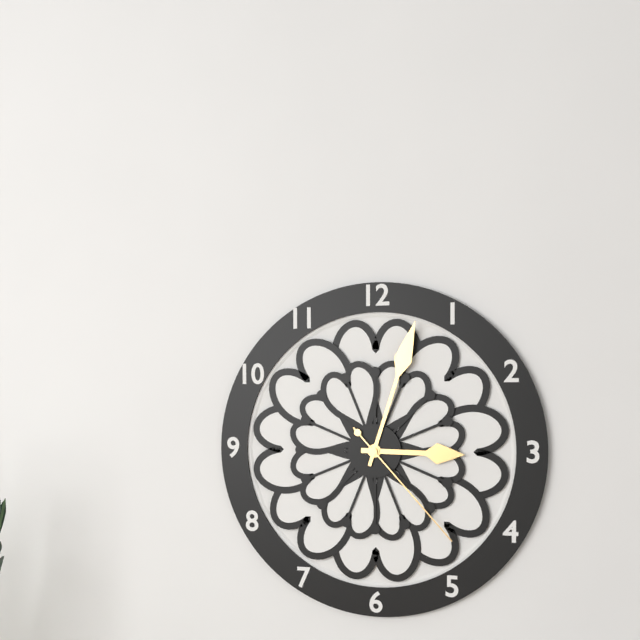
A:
3,03,23
